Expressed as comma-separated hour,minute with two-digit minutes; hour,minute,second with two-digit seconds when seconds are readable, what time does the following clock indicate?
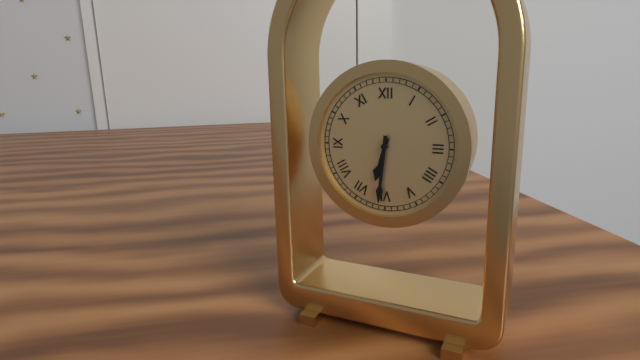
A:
6,31
